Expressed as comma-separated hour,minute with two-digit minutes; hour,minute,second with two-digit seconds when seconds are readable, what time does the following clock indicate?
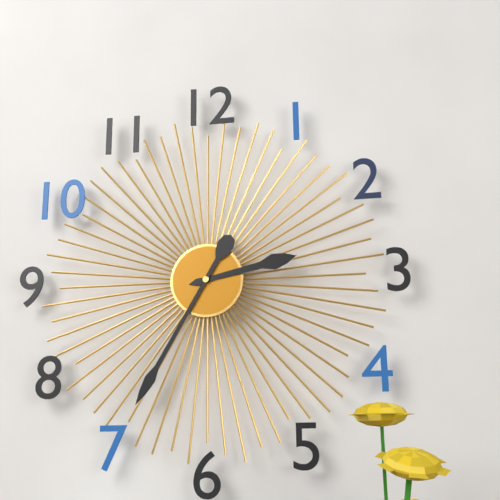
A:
2,35
